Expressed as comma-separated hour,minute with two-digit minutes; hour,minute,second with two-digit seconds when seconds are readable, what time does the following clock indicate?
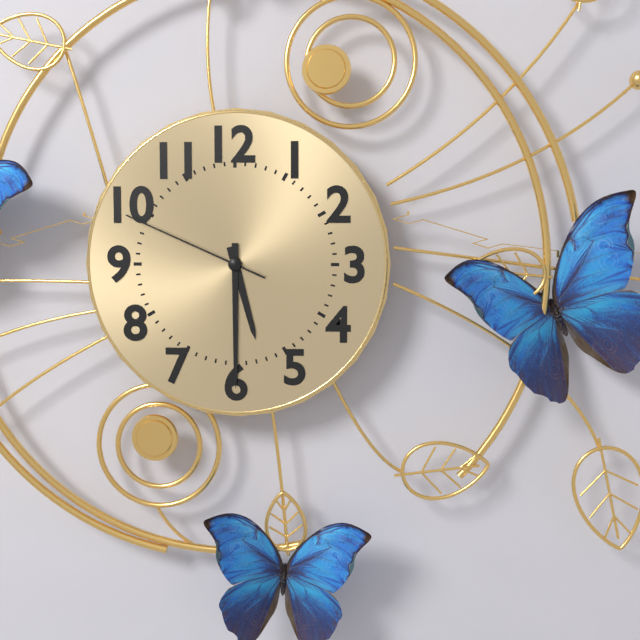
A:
5,30,49
